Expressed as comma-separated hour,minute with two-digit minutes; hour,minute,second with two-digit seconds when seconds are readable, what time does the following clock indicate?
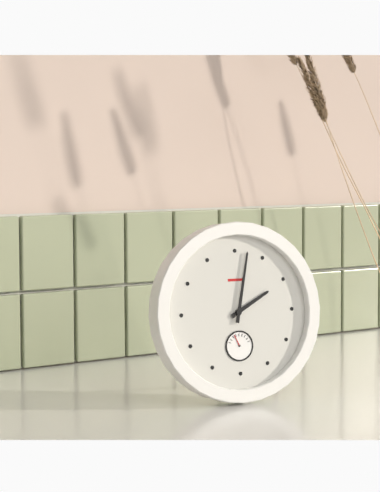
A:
2,02
